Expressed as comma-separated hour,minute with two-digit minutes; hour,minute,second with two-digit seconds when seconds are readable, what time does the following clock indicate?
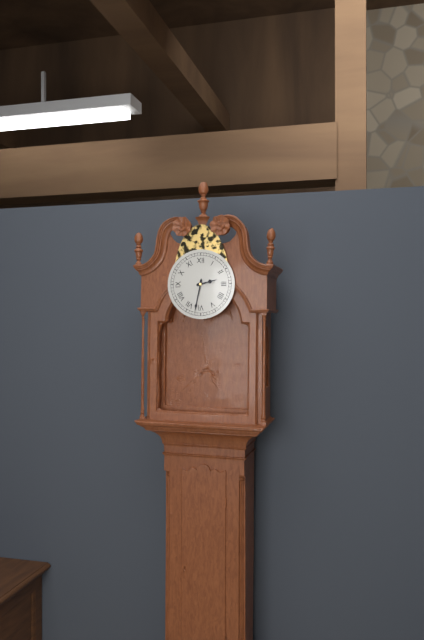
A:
2,32
